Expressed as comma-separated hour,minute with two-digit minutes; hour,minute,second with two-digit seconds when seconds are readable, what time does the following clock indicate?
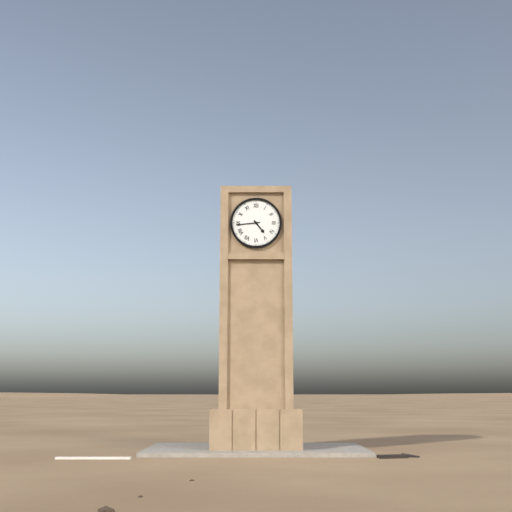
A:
4,44
